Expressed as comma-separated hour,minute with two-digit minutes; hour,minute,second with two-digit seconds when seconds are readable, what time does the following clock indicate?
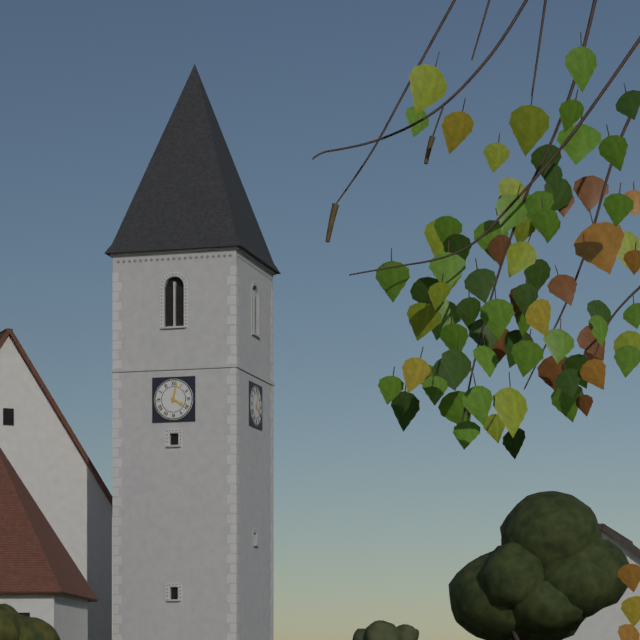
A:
4,02
